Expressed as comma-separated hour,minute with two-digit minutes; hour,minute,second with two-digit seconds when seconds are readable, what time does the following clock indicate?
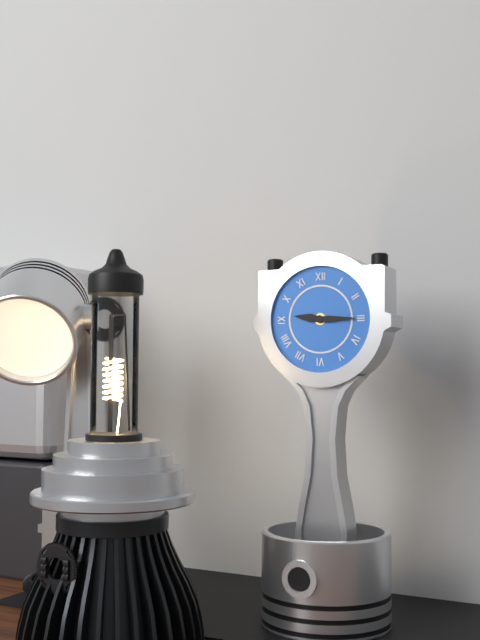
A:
9,15
